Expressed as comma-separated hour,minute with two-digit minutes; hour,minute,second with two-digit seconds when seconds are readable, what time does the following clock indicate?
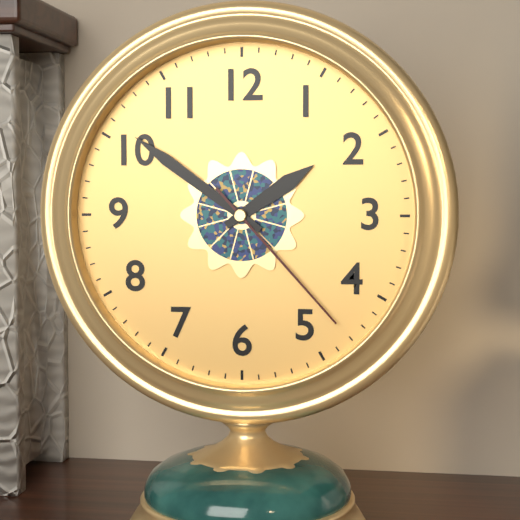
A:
1,51,23
